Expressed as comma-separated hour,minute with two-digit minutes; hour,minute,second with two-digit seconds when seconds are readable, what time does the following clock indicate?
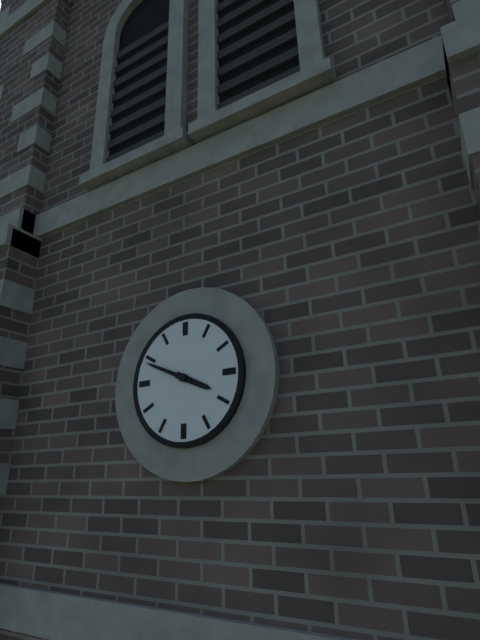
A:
3,49
